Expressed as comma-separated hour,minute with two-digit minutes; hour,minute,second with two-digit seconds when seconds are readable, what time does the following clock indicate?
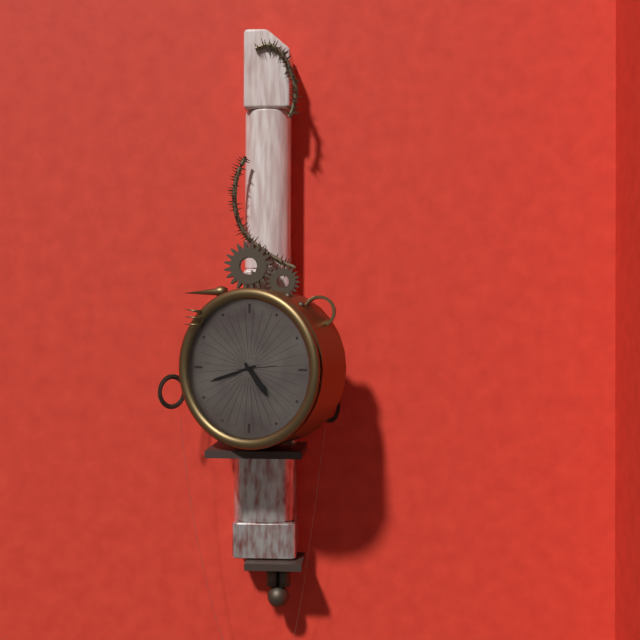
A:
4,42
